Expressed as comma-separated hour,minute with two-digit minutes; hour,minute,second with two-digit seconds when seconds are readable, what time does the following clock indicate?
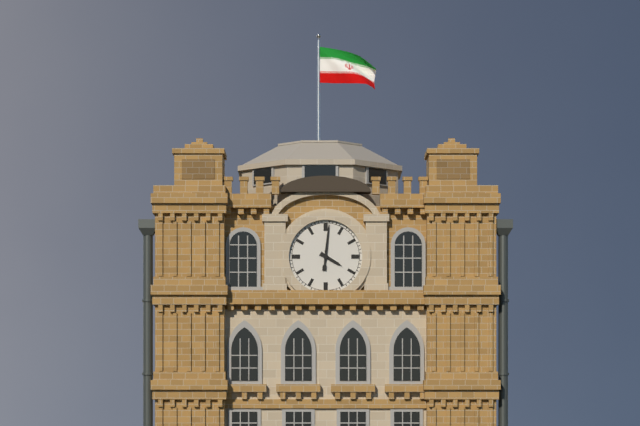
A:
4,01
